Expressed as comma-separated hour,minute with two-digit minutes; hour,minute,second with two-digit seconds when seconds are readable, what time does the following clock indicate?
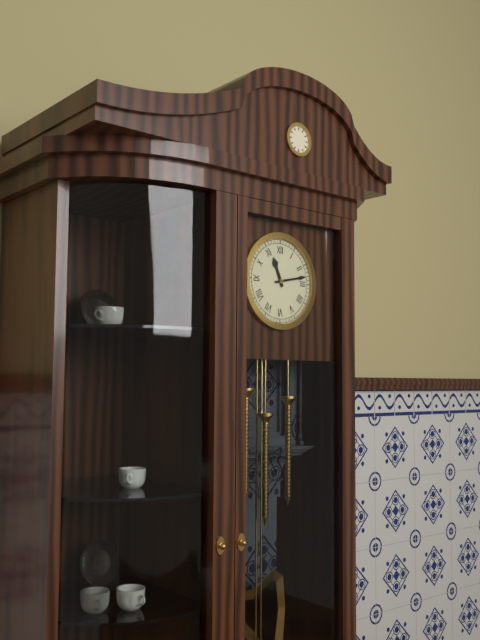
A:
11,13
